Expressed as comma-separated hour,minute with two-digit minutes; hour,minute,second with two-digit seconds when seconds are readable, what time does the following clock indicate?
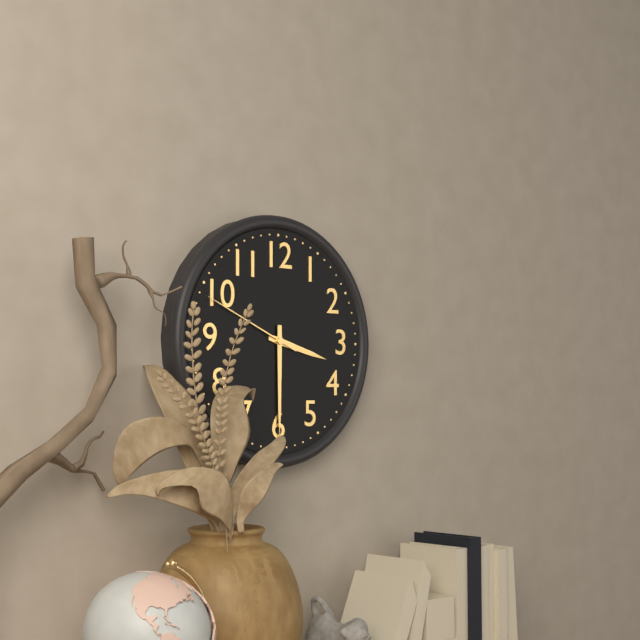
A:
3,30,49
